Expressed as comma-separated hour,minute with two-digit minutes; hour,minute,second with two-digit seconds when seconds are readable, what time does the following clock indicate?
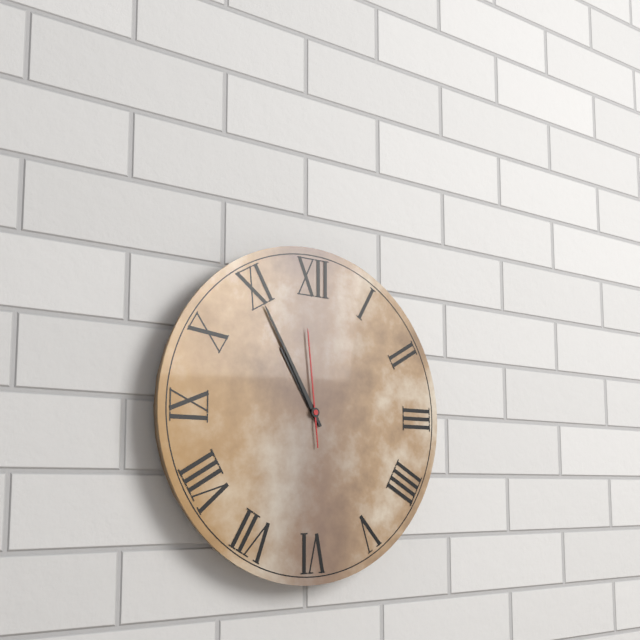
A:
10,55,59
